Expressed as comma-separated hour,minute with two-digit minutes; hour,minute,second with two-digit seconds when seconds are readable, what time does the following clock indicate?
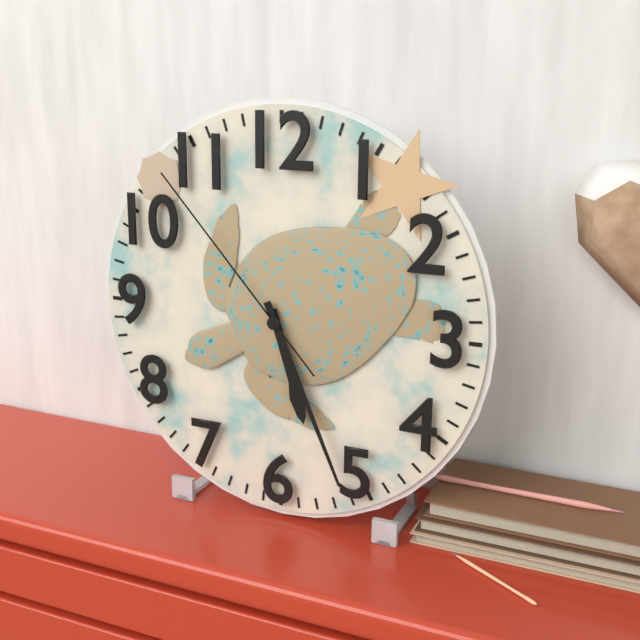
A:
5,26,53
